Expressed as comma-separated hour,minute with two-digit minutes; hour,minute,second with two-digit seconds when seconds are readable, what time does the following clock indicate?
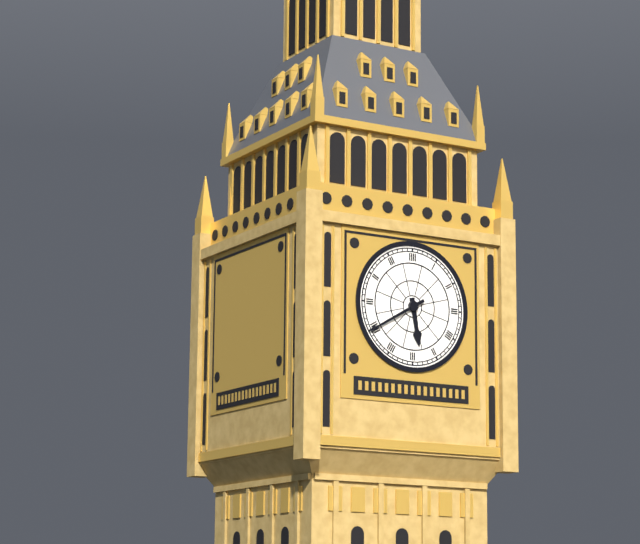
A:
5,40
